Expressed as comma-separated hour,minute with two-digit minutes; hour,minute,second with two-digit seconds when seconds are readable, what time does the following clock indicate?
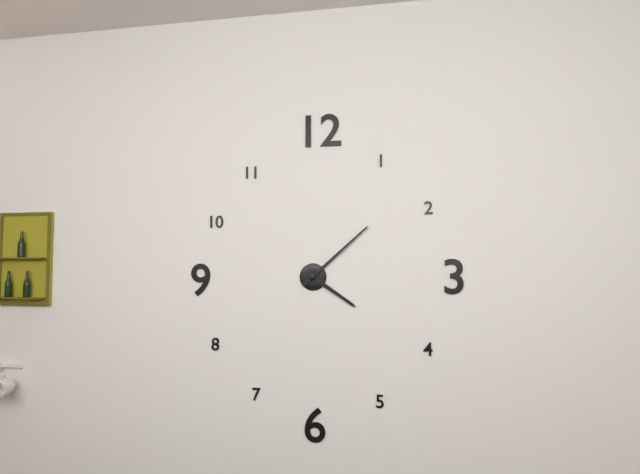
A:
4,08
